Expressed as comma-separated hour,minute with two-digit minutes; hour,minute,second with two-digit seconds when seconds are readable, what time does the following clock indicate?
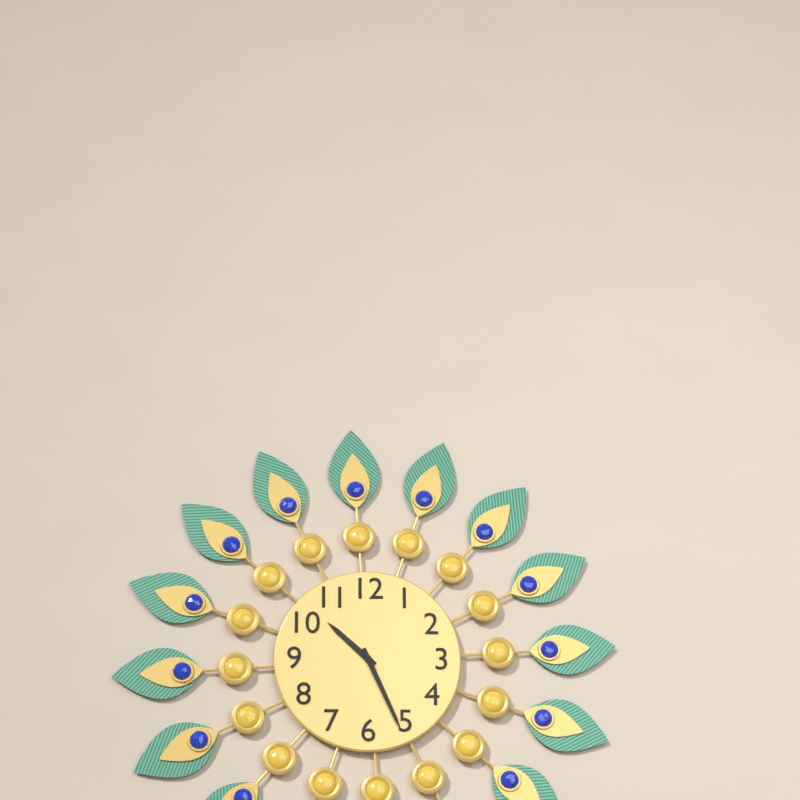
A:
10,26
